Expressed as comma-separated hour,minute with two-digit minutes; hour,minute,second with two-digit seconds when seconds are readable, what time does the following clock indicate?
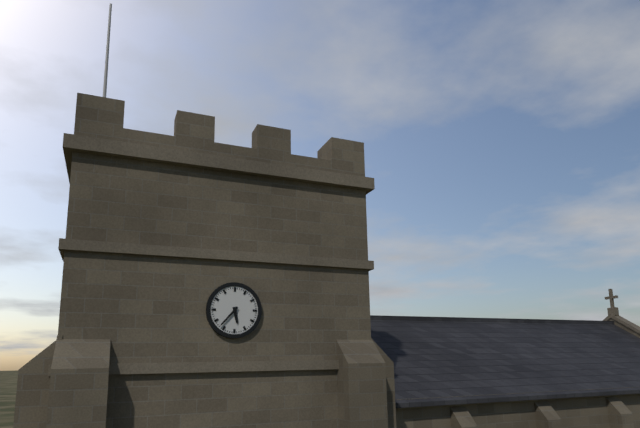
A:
5,37
